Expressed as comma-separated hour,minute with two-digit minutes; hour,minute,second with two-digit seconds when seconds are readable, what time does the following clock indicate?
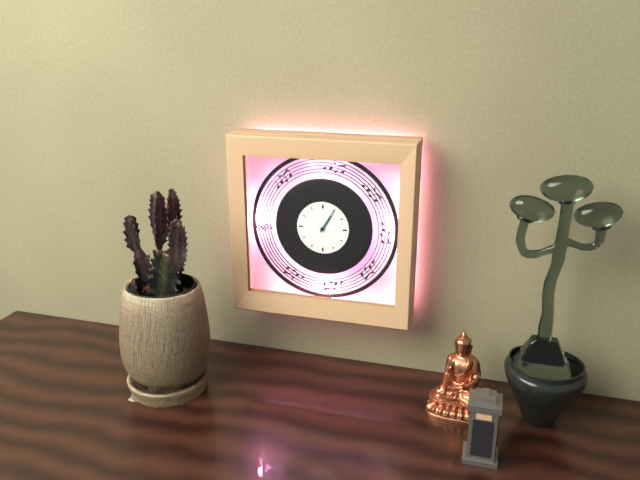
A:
1,05
